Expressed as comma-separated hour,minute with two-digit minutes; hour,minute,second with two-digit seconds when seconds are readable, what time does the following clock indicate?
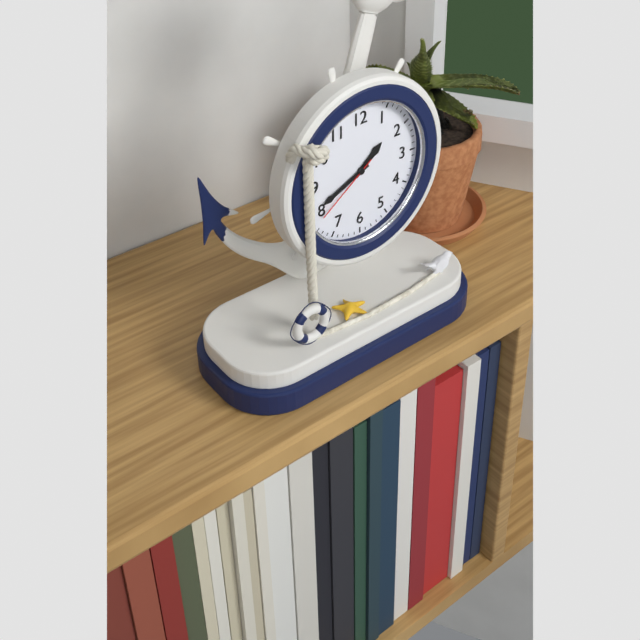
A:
1,41,39
